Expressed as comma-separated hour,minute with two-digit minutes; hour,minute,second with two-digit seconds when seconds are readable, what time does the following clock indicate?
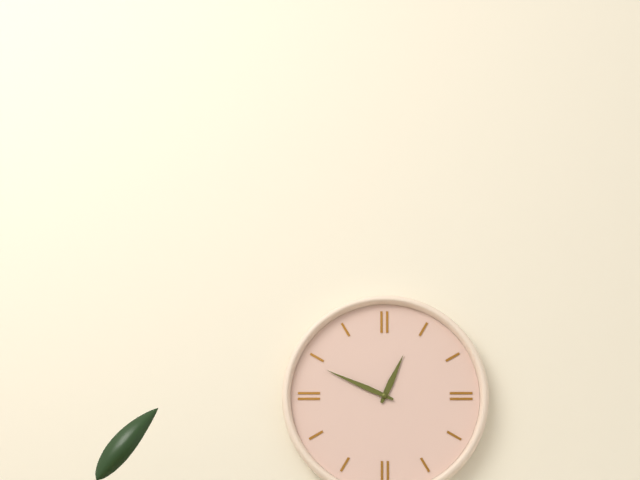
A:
12,49
